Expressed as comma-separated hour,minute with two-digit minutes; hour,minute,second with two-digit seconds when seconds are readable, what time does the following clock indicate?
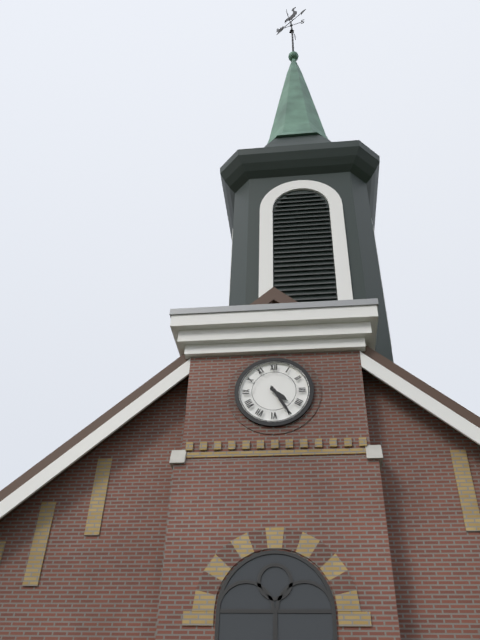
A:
4,25
